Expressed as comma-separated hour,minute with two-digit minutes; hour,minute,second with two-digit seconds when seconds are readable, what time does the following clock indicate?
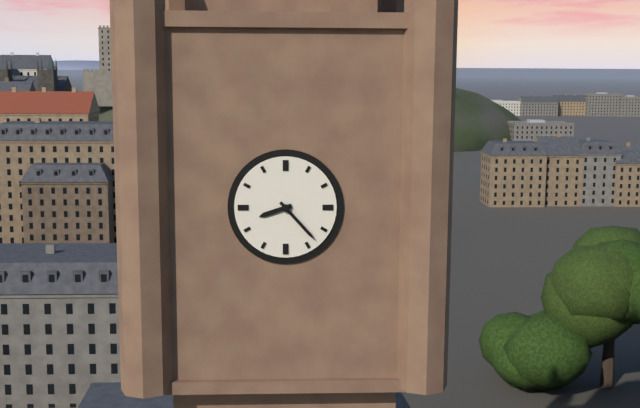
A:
8,23
